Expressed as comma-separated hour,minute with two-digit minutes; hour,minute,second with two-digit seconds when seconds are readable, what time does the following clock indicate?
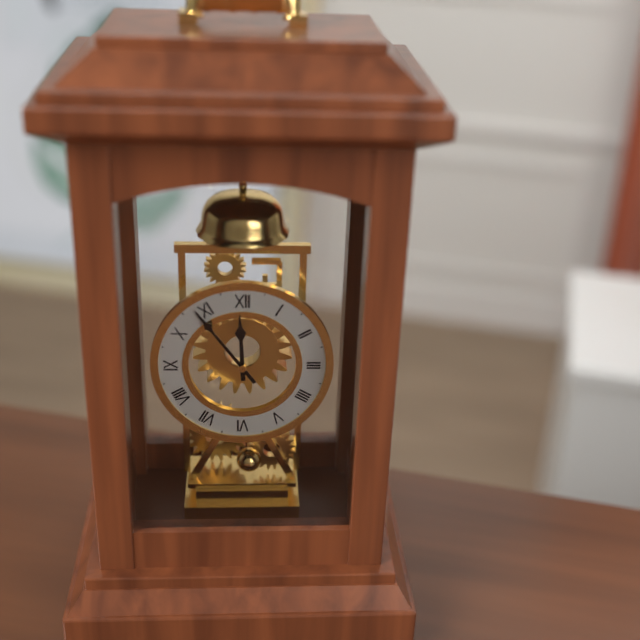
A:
11,54
